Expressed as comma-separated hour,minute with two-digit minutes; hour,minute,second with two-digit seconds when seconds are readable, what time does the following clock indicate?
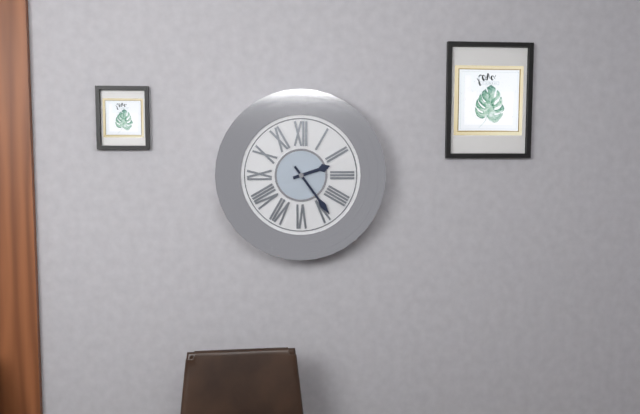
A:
2,24
